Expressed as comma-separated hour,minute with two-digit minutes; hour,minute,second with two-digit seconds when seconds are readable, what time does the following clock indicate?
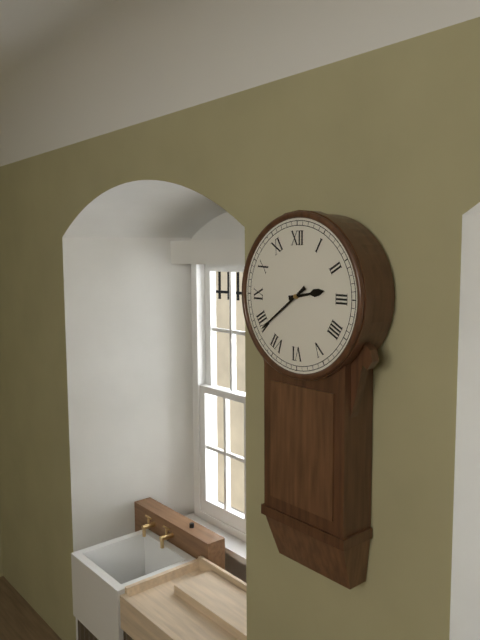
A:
2,39
